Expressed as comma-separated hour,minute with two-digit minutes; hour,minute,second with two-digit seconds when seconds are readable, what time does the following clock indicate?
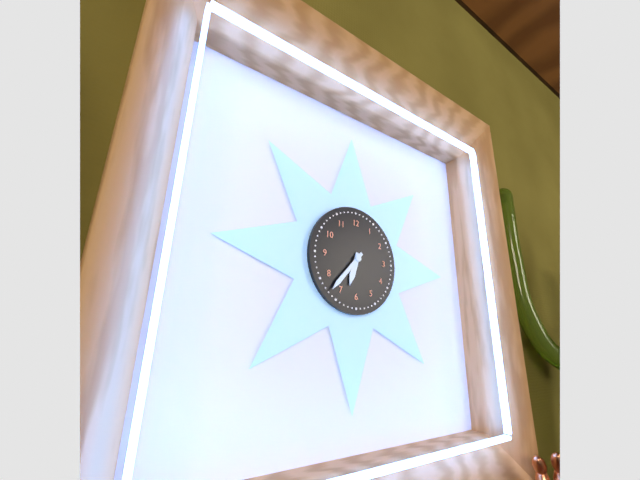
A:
6,37
